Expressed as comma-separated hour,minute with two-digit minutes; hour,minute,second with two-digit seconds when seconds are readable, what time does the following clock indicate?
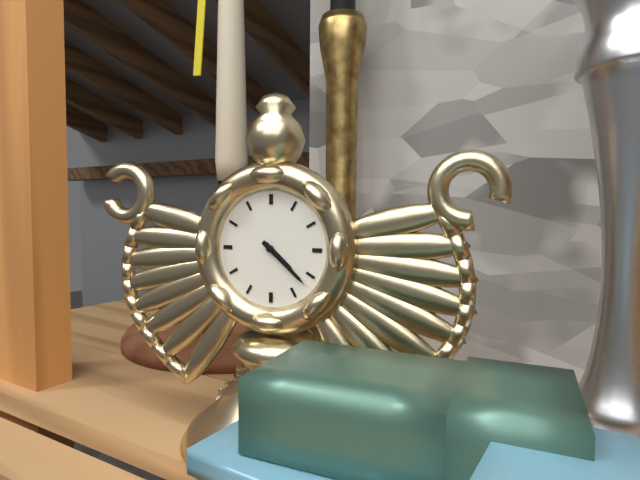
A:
4,22
